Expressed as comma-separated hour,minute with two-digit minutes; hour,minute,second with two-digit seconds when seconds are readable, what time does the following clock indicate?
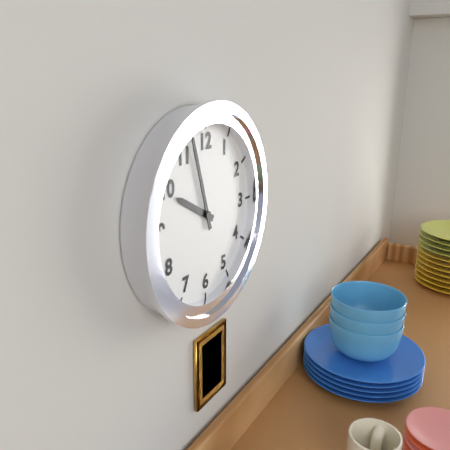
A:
9,57
